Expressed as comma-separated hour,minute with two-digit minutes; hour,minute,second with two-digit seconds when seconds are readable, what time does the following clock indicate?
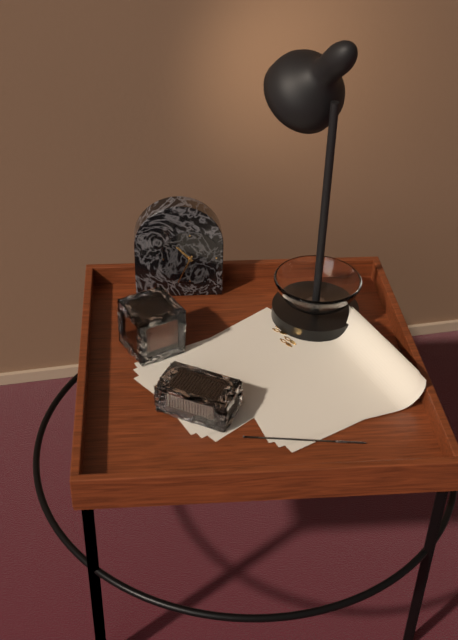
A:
10,34
